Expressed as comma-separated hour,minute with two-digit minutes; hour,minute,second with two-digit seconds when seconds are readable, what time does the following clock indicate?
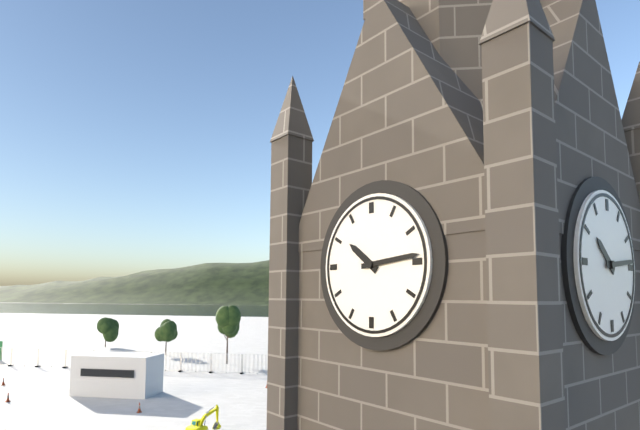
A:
10,14
